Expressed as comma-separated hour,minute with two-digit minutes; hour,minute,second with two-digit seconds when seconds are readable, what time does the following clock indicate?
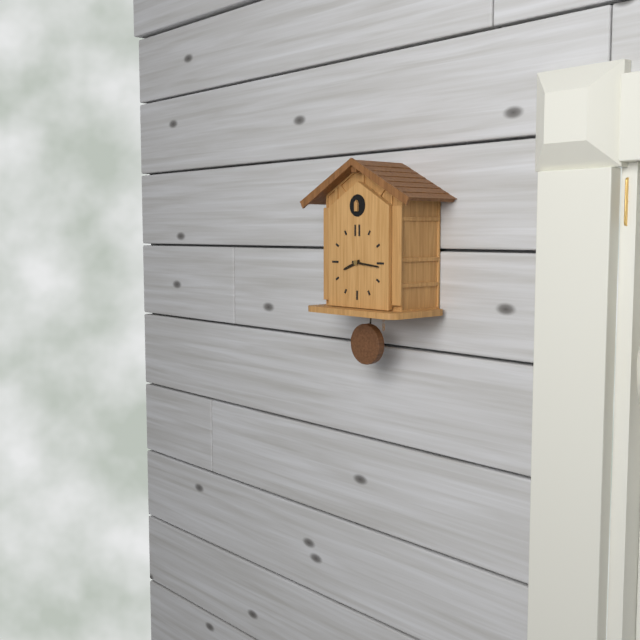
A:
8,16
